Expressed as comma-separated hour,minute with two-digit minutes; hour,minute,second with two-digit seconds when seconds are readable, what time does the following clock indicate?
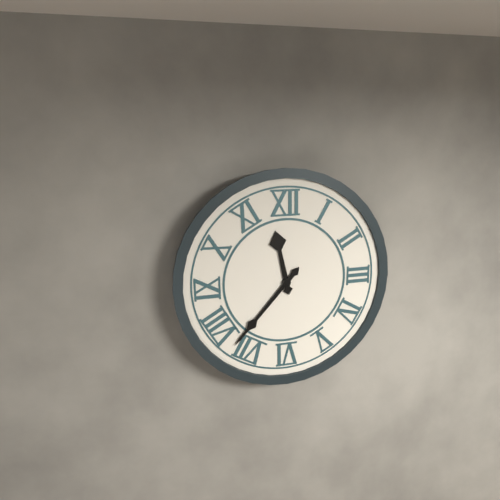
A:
11,37
